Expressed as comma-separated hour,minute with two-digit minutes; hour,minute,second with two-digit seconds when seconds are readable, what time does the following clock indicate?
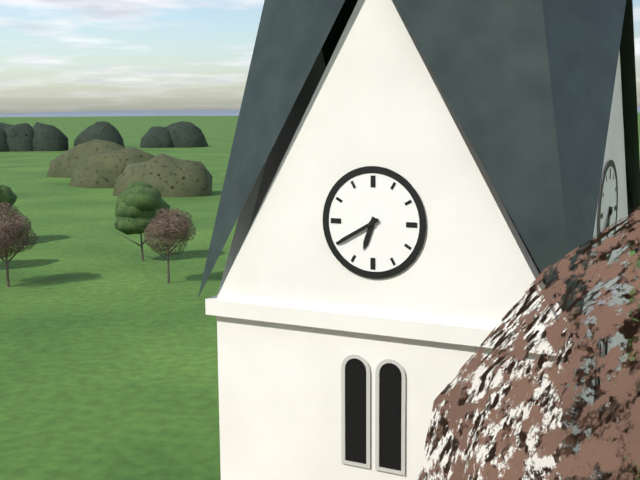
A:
6,40
